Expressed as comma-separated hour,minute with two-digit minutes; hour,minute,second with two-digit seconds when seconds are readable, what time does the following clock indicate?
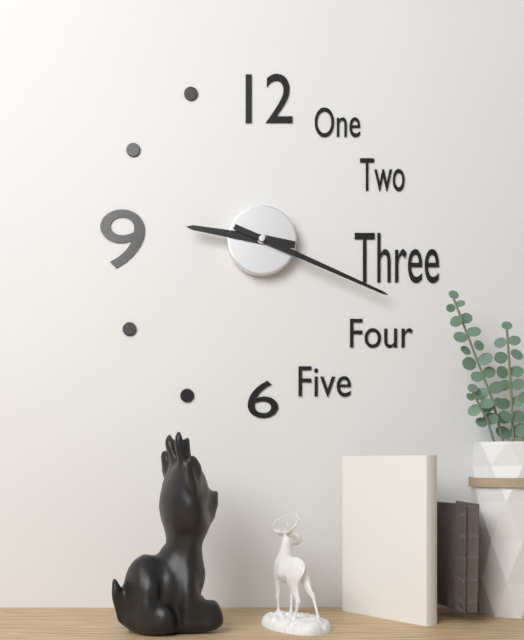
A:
9,19
